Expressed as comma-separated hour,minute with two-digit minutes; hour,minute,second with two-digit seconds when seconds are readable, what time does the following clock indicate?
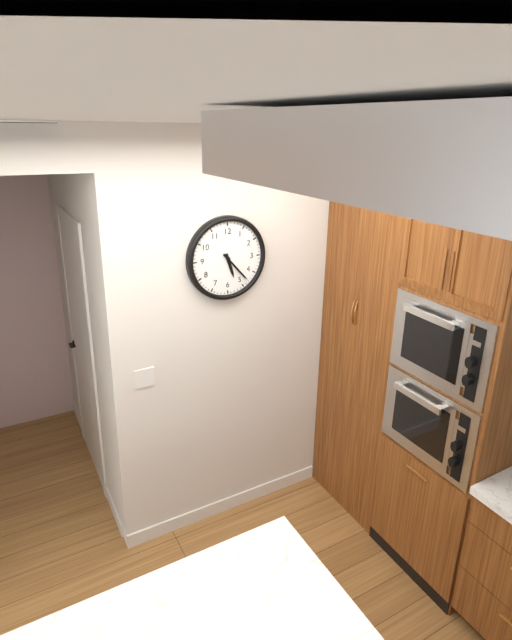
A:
5,23
